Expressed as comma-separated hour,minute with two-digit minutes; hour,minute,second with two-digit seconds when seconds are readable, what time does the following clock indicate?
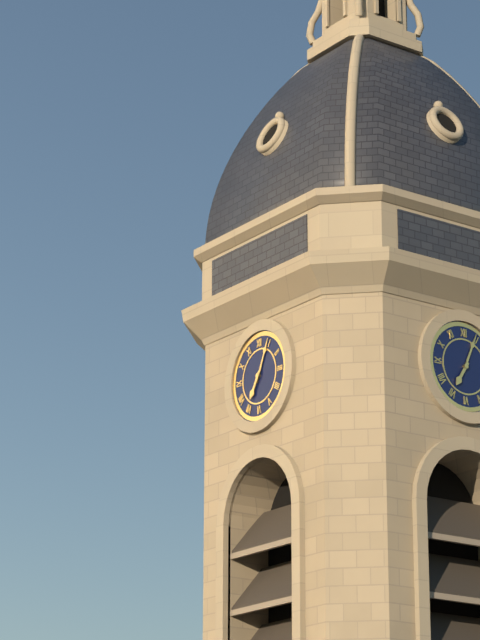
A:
7,04
